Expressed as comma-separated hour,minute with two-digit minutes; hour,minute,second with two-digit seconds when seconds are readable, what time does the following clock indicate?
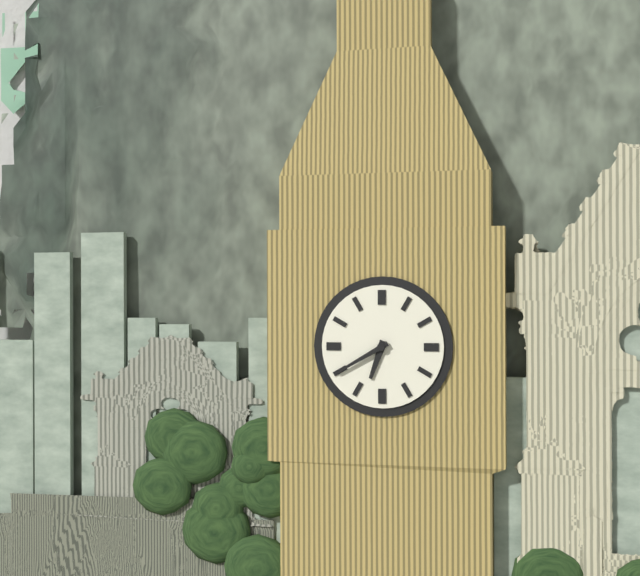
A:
6,40
